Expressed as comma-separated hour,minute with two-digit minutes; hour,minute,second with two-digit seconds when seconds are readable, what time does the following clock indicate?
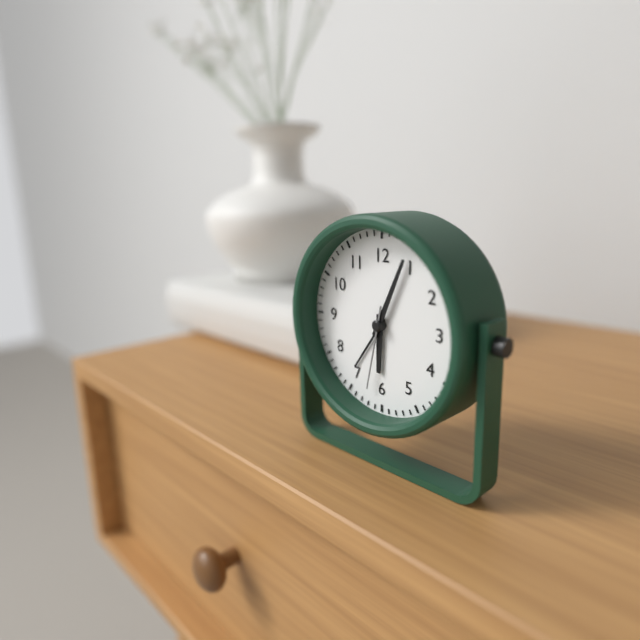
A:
6,04,32
